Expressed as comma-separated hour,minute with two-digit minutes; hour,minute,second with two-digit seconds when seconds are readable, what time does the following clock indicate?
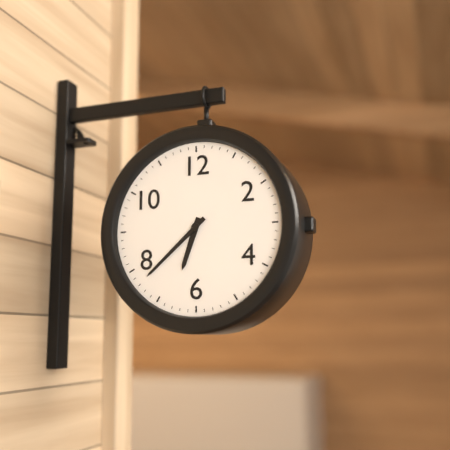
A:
6,38
